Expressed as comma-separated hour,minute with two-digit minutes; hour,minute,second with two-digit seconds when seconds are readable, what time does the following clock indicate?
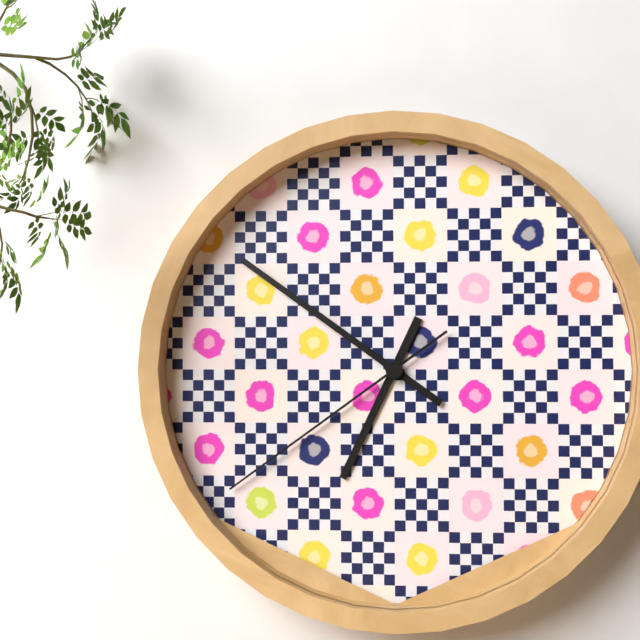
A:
6,51,39
